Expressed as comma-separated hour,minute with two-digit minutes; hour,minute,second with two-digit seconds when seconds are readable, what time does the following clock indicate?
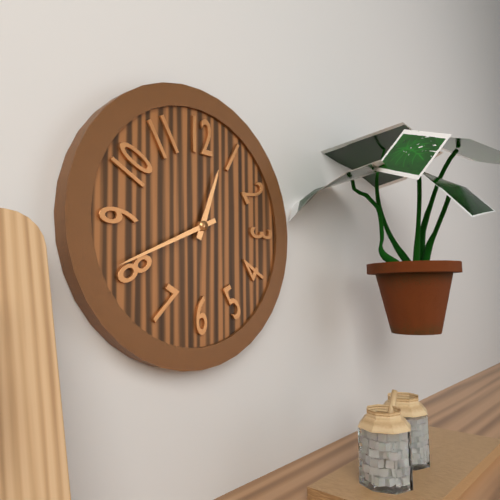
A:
12,41
